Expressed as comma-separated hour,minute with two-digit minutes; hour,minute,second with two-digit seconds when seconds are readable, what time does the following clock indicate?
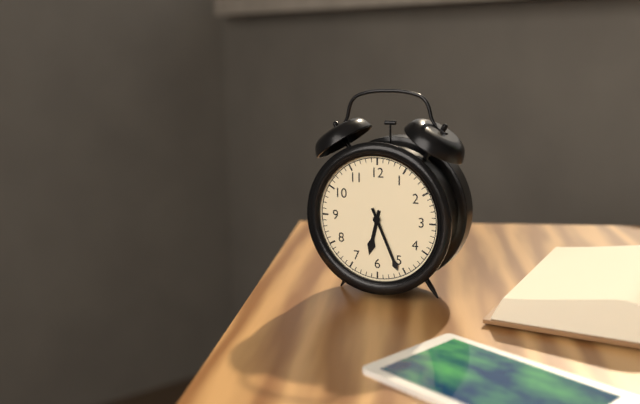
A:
6,26
